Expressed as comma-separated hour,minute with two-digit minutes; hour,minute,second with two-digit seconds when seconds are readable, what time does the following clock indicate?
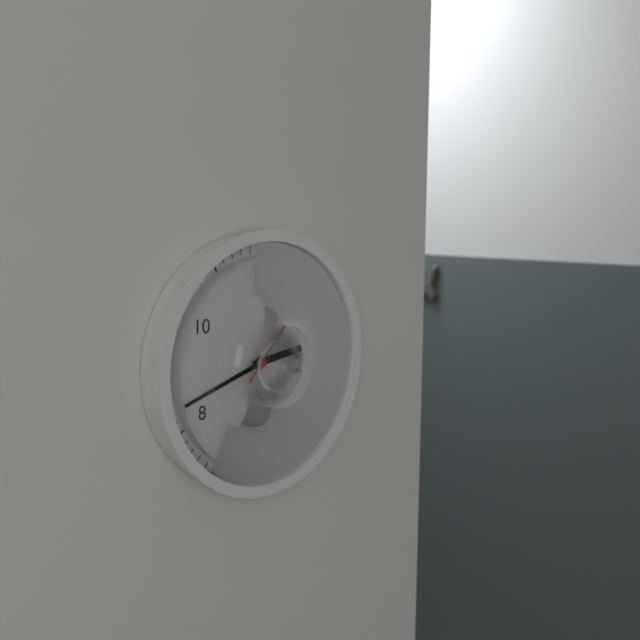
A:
2,42,07
